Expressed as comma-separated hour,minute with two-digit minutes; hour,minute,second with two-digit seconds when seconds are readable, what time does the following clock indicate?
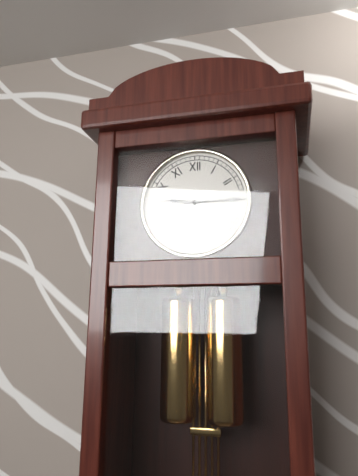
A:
9,15
